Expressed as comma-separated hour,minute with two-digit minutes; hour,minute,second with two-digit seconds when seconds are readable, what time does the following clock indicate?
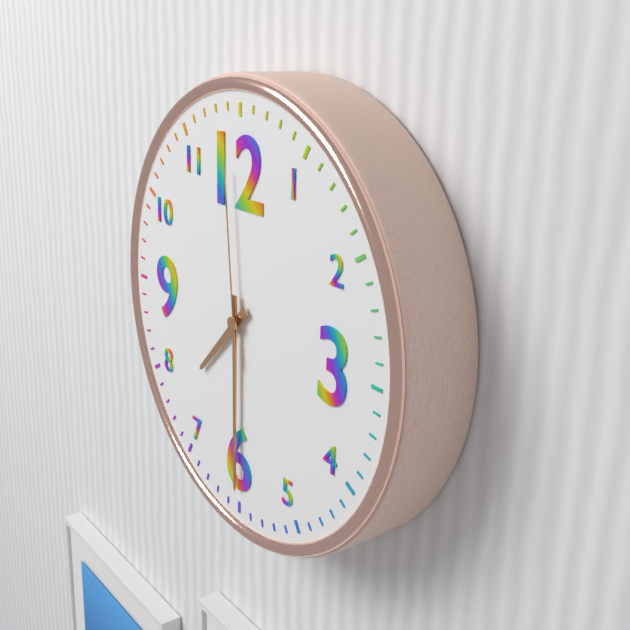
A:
7,30,59
